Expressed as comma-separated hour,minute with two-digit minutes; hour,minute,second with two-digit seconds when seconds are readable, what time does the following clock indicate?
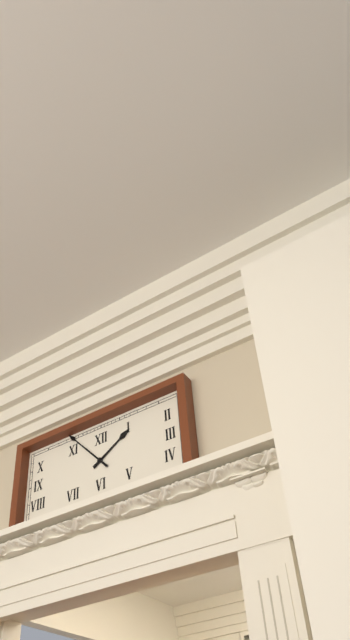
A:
1,53
